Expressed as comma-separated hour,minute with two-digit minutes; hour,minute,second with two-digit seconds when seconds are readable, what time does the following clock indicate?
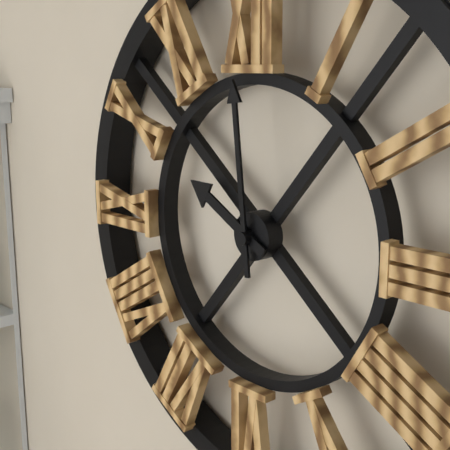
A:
9,59
